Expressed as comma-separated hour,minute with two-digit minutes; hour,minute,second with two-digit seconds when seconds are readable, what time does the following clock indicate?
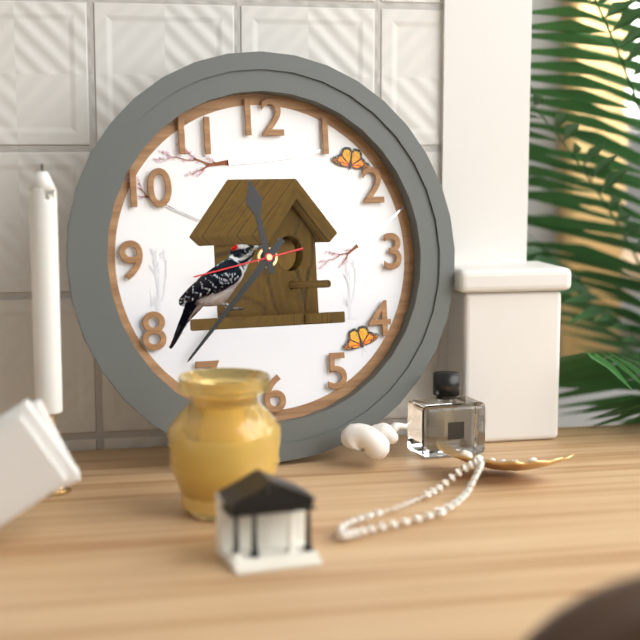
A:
11,37,43
